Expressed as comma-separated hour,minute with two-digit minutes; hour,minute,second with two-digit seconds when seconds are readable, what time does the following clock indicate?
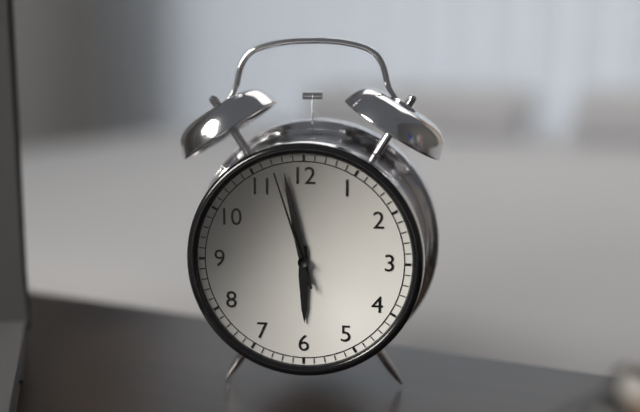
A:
5,58,57
